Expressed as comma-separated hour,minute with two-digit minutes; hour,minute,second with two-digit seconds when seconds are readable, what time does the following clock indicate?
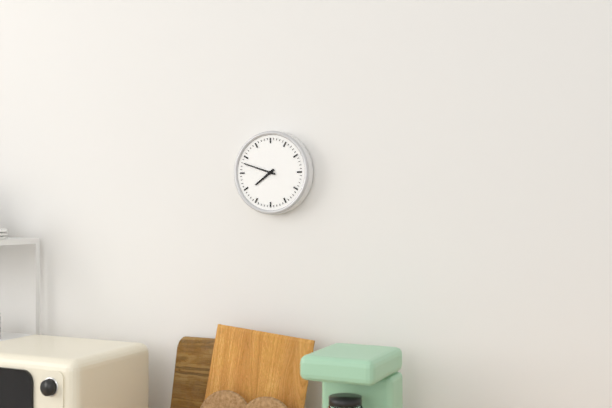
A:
7,48
